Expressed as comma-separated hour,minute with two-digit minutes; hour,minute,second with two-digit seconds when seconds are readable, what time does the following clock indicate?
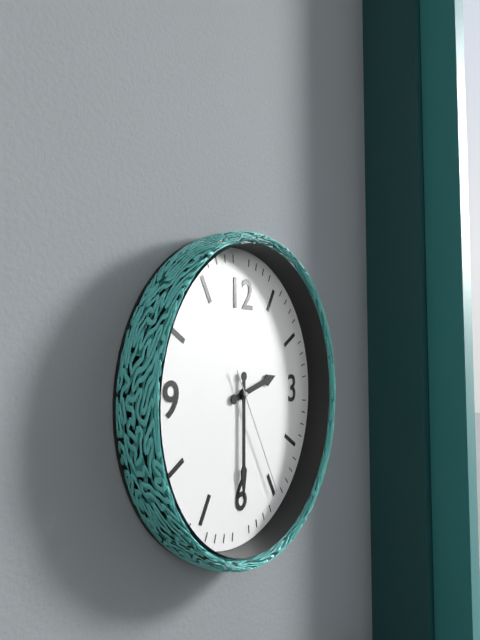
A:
2,30,25
